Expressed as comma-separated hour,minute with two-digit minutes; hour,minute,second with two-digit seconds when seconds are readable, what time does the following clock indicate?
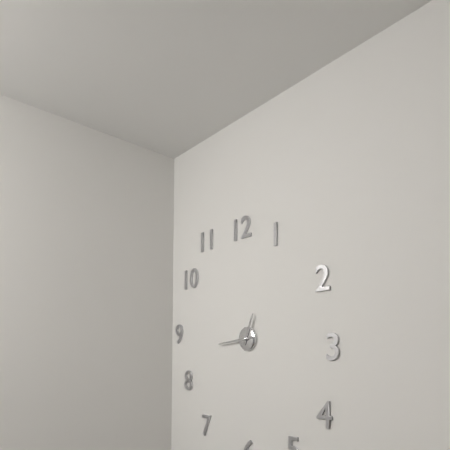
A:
12,44
